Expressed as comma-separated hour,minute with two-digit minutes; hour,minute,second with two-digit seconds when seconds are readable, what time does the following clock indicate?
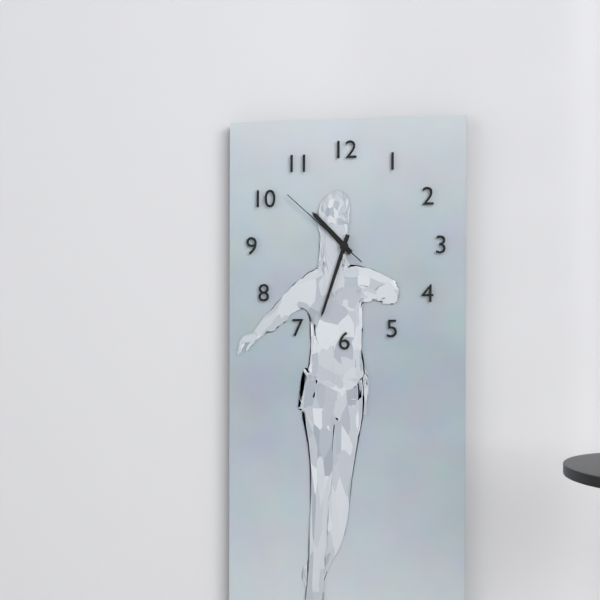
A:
10,33,52
